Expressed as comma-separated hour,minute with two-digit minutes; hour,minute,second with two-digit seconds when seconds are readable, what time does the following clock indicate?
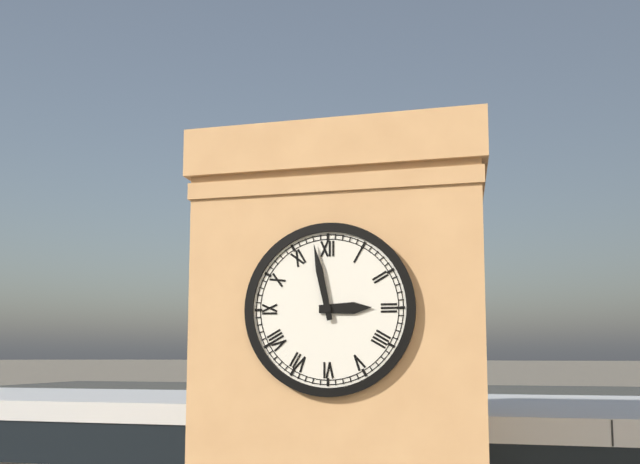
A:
2,58
